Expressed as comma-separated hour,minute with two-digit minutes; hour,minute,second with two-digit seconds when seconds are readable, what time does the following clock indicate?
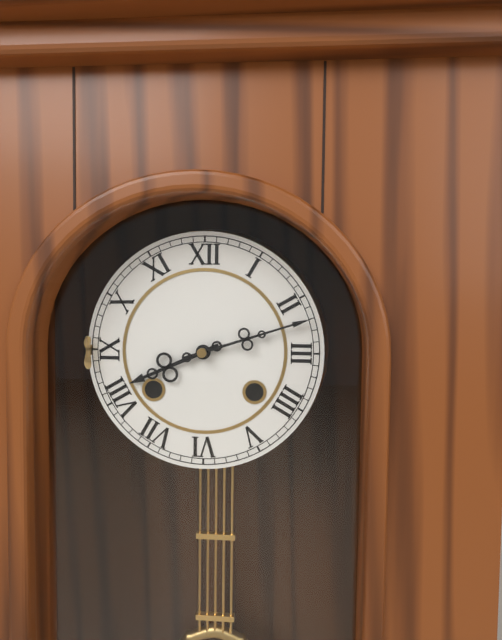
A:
8,12
